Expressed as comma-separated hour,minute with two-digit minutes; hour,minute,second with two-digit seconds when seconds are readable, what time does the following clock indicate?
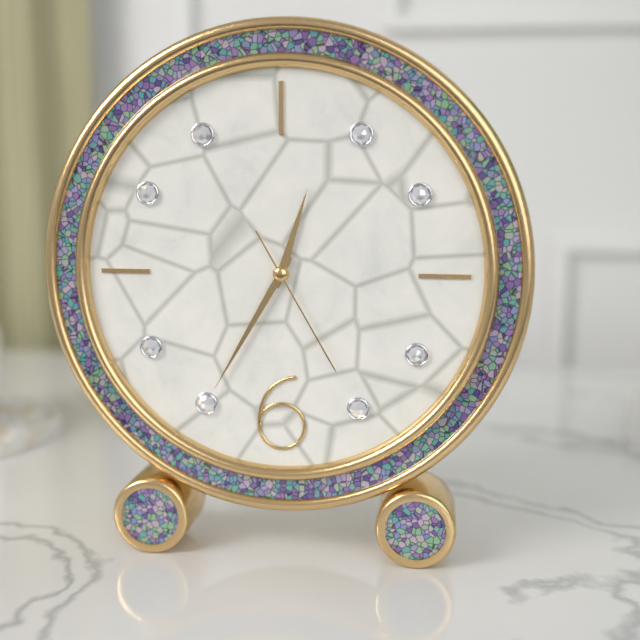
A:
12,35,25
